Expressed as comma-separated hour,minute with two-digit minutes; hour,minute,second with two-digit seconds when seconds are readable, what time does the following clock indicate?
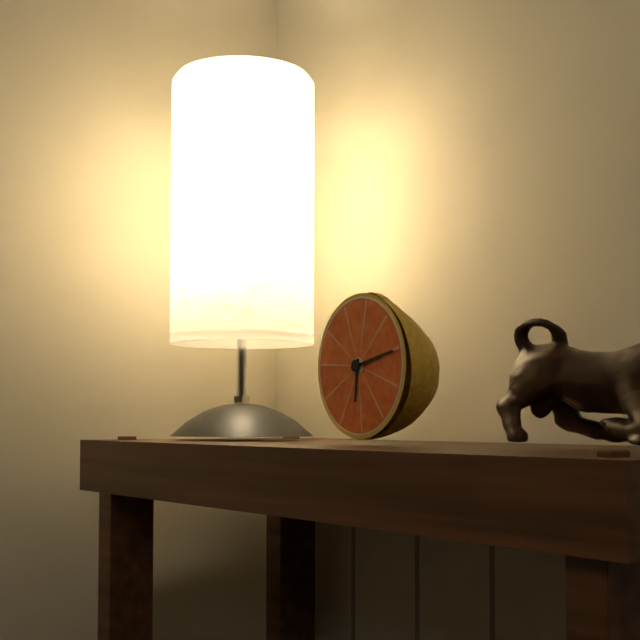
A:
6,13
